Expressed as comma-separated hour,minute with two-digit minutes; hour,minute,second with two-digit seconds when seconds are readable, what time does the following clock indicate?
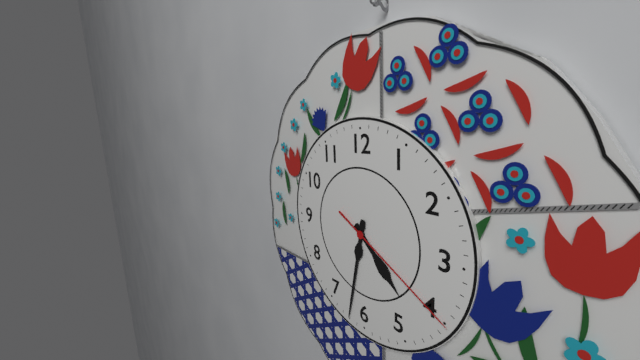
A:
4,32,20
